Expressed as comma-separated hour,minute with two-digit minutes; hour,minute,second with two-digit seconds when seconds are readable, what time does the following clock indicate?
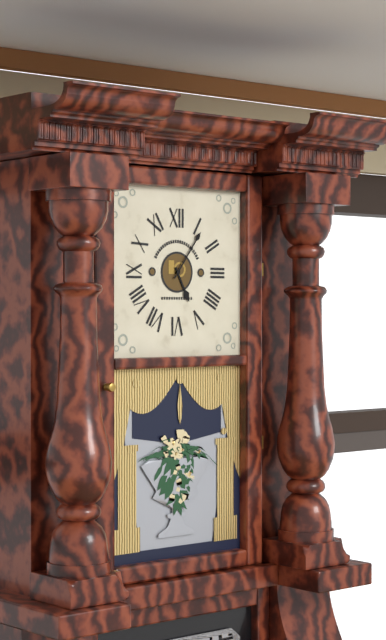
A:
5,06
